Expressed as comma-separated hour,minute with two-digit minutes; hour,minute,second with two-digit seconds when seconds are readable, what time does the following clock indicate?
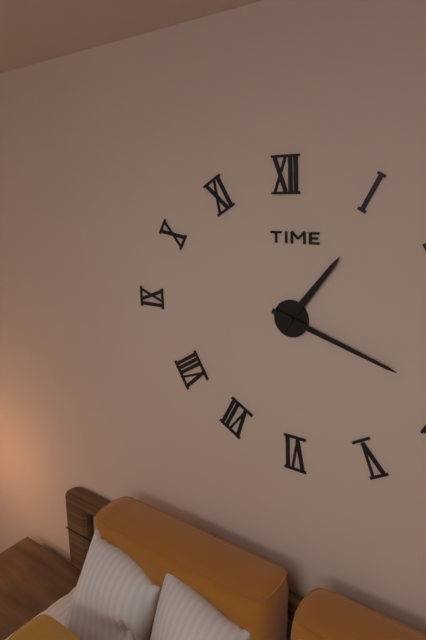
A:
1,18
